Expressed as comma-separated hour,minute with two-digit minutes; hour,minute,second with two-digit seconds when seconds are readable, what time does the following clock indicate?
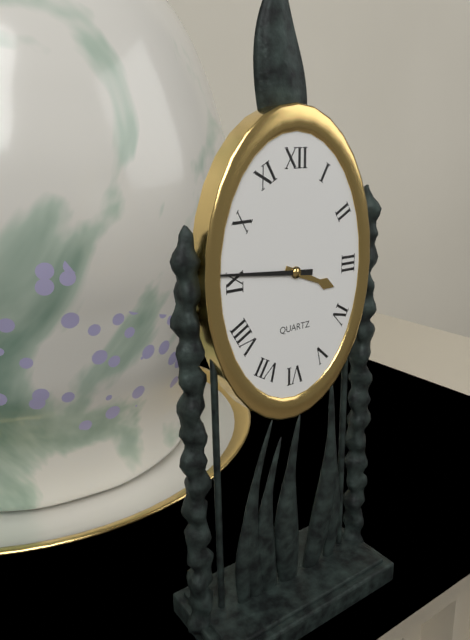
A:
3,46
